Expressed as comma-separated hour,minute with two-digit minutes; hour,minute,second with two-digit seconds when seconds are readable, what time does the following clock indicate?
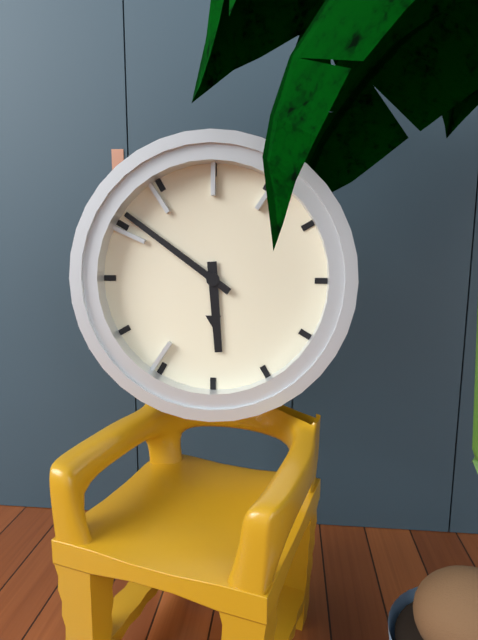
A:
5,51
